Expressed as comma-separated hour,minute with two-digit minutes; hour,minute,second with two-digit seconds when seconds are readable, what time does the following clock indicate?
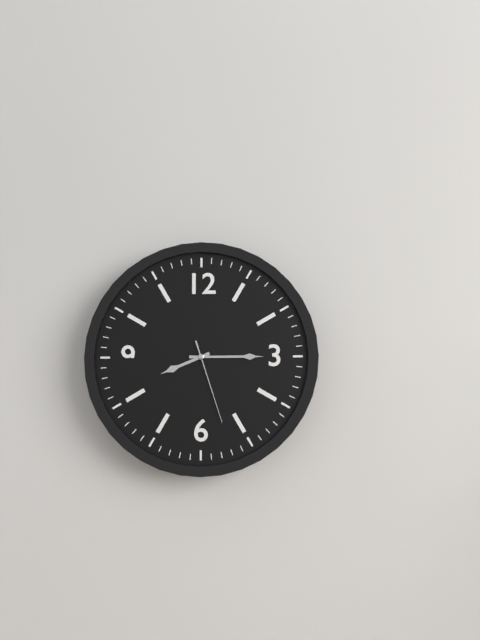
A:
8,15,27
